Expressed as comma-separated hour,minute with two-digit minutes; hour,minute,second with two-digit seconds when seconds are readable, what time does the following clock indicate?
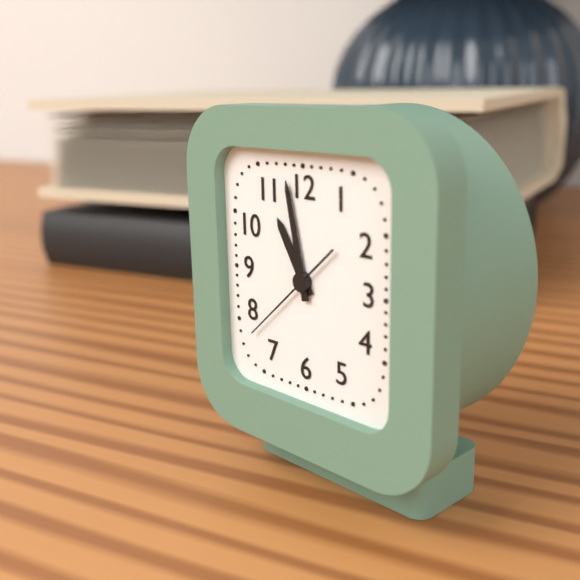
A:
10,58,38
